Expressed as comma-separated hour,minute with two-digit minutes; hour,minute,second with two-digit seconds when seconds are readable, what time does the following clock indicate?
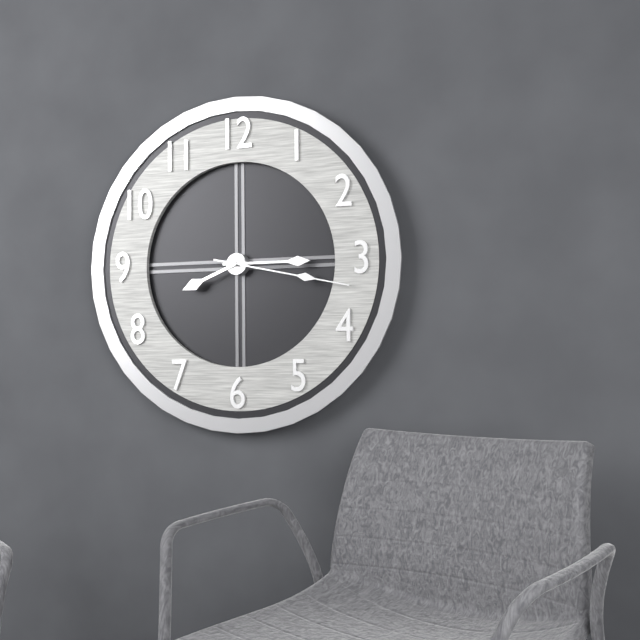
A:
8,15,17
